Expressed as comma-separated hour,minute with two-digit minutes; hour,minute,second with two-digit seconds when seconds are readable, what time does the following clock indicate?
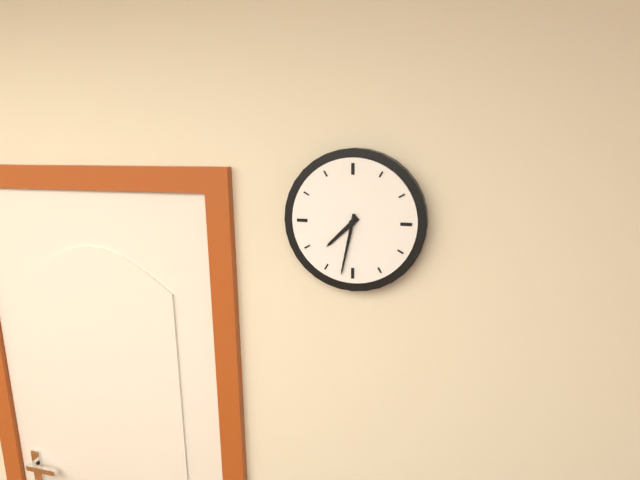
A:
7,32
